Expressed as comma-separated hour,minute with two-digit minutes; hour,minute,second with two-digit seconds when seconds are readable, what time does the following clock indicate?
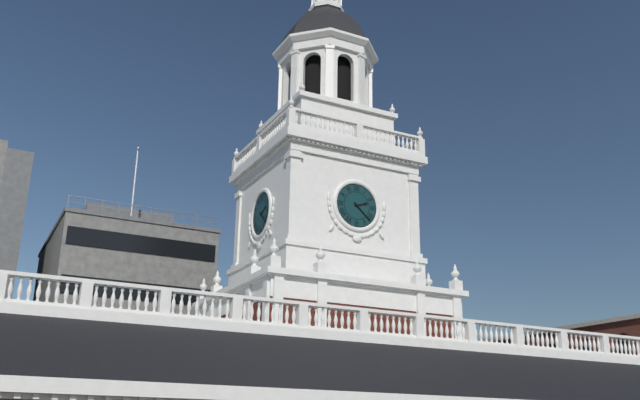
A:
2,22
